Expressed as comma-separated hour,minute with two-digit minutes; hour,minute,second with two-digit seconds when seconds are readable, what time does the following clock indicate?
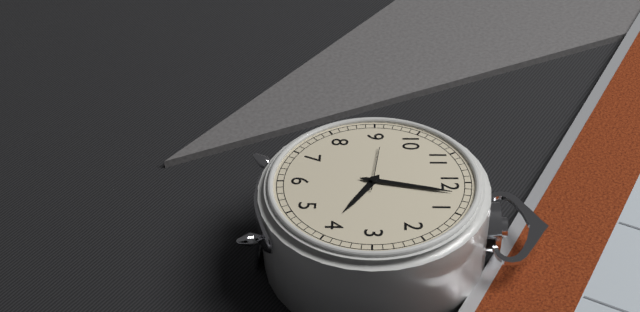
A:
4,02
